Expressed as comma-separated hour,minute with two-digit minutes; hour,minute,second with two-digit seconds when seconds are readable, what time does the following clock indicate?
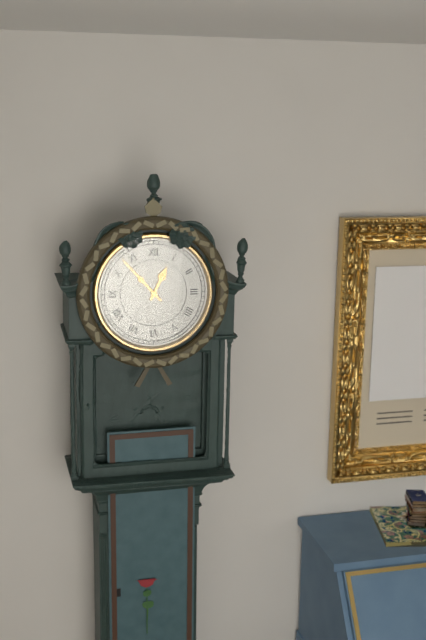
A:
12,53
